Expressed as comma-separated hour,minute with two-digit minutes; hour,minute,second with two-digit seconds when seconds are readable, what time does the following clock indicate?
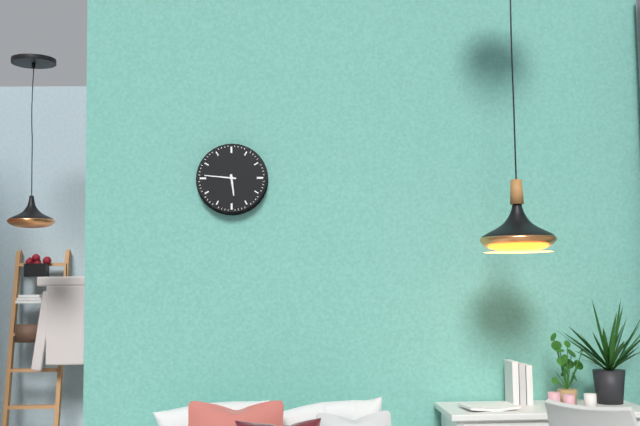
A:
5,46
